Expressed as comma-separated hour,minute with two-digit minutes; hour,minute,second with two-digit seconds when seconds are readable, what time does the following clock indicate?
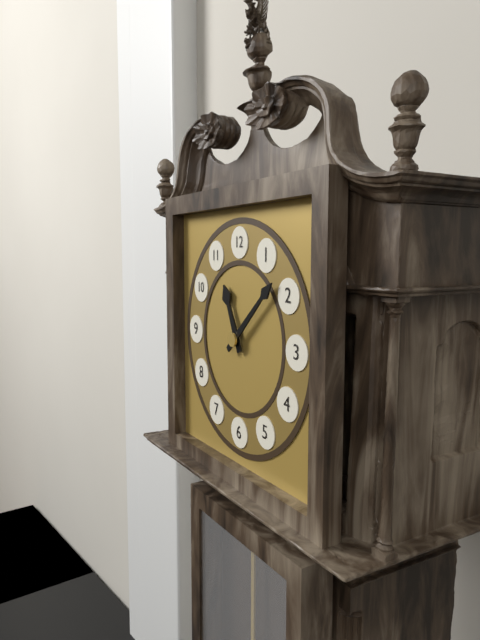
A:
11,08
